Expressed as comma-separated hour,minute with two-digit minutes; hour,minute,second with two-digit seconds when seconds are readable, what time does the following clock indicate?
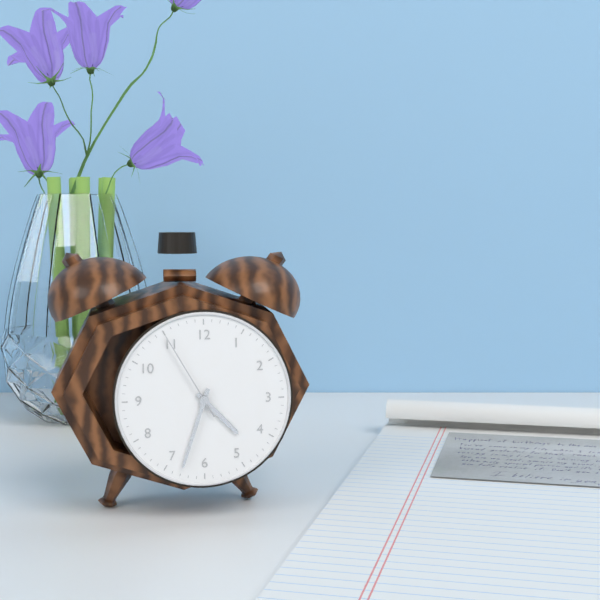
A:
4,33,55
